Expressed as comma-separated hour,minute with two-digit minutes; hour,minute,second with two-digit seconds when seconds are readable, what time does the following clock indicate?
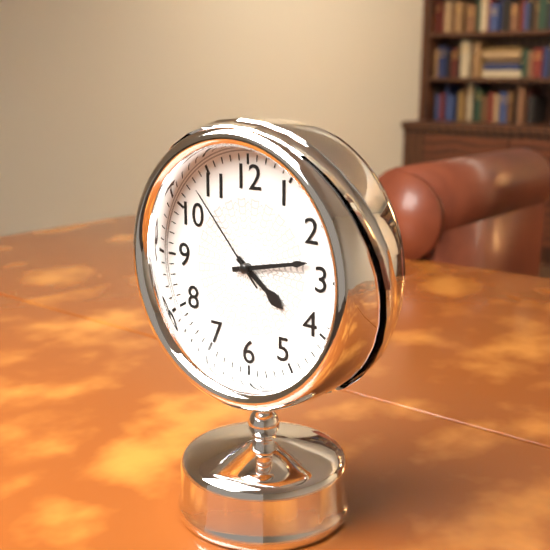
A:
4,13,53
